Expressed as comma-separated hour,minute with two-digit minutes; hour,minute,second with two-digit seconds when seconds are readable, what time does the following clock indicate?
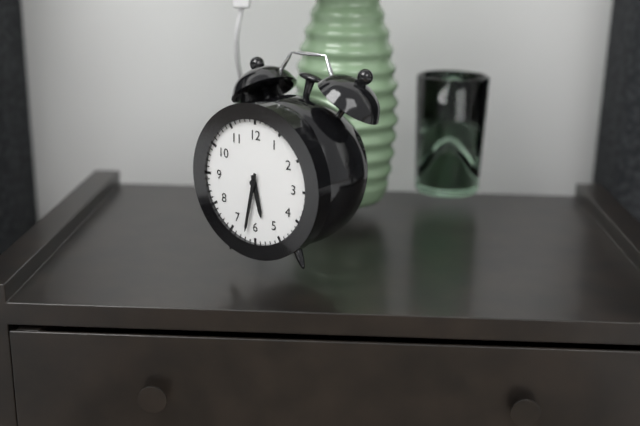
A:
5,32
